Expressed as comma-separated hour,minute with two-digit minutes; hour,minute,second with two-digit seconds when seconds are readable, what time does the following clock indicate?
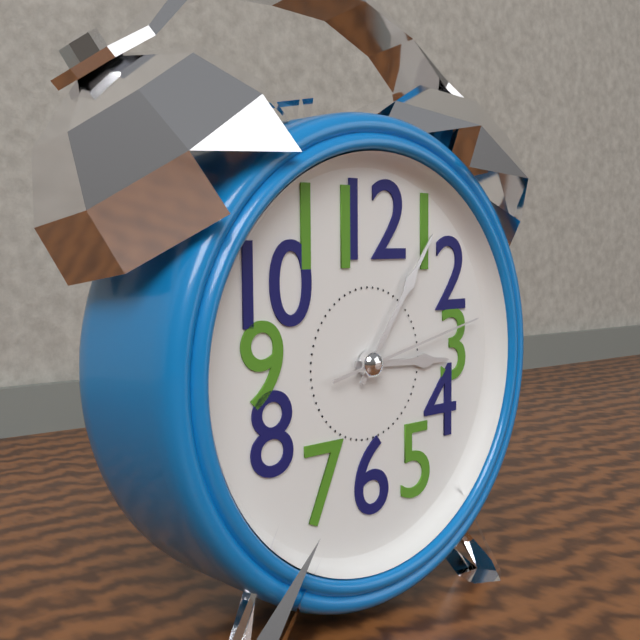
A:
3,06,13
